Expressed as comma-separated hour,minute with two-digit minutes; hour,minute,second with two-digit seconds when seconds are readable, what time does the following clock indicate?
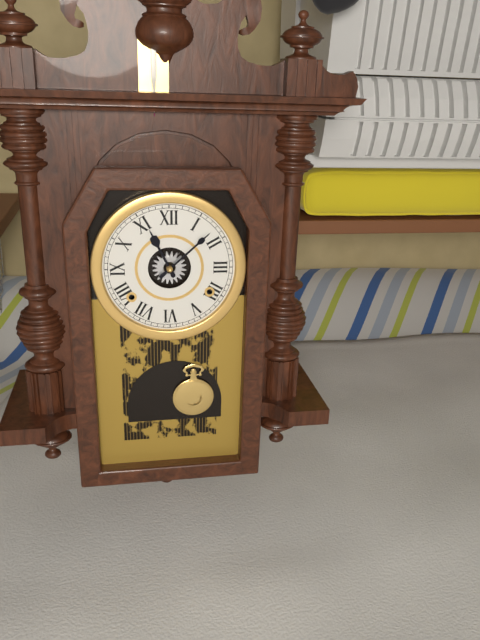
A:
11,08
